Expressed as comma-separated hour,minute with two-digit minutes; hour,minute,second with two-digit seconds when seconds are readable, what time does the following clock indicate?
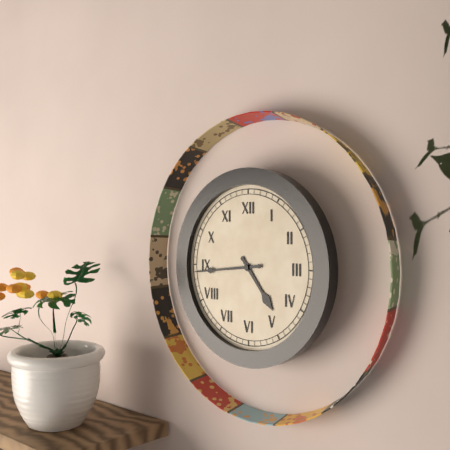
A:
4,44
